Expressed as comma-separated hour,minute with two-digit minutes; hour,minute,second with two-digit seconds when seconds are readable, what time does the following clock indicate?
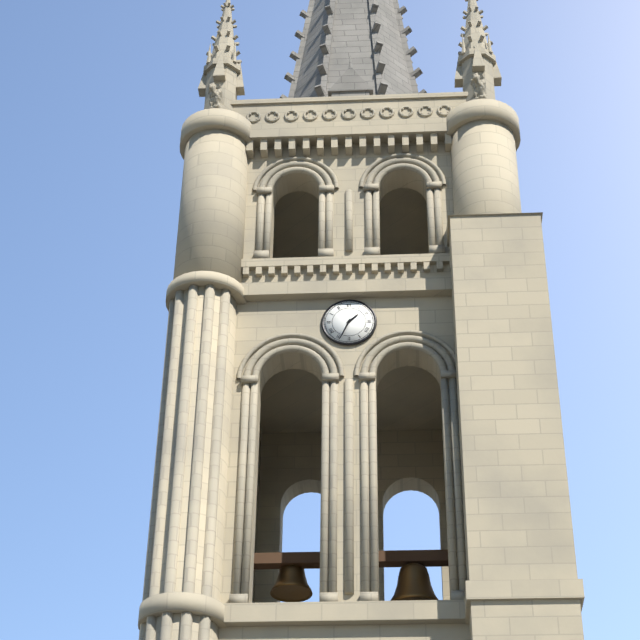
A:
1,34
